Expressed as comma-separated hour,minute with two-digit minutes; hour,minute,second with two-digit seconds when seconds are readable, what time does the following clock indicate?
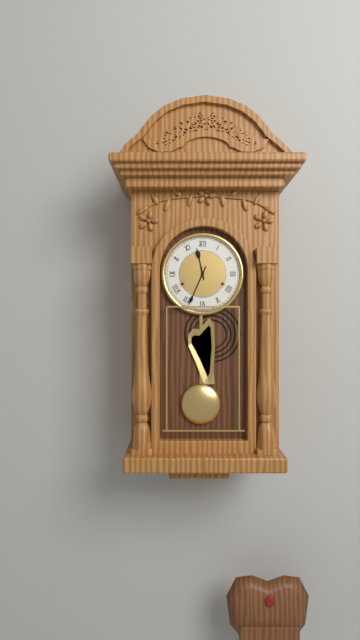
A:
11,34
